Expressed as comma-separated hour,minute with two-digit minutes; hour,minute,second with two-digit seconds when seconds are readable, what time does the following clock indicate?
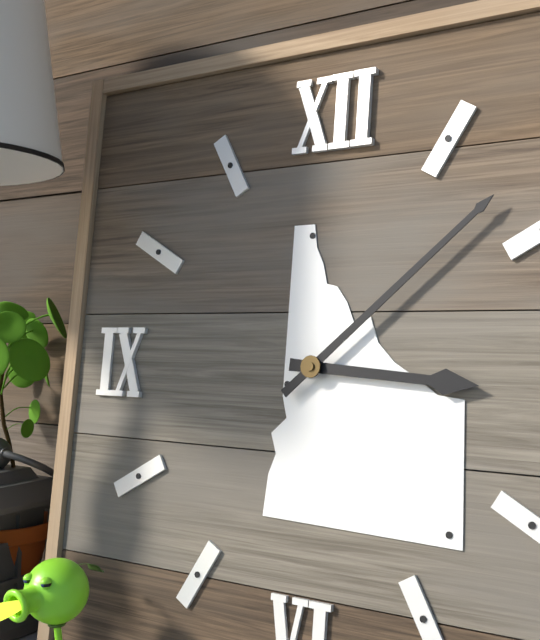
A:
3,08
